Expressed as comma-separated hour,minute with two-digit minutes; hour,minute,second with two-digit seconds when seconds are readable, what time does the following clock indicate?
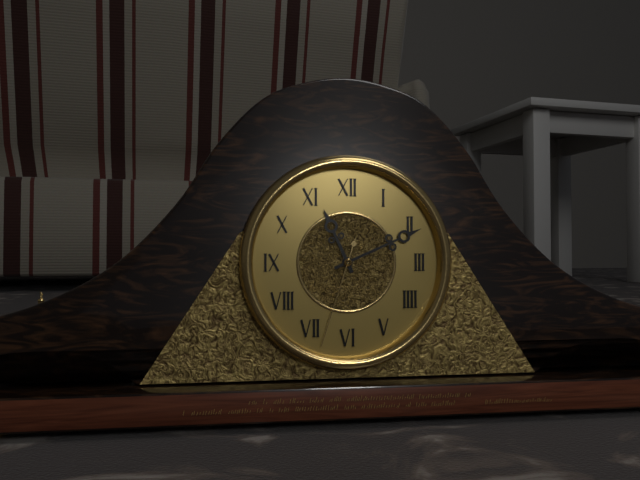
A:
11,11,33
